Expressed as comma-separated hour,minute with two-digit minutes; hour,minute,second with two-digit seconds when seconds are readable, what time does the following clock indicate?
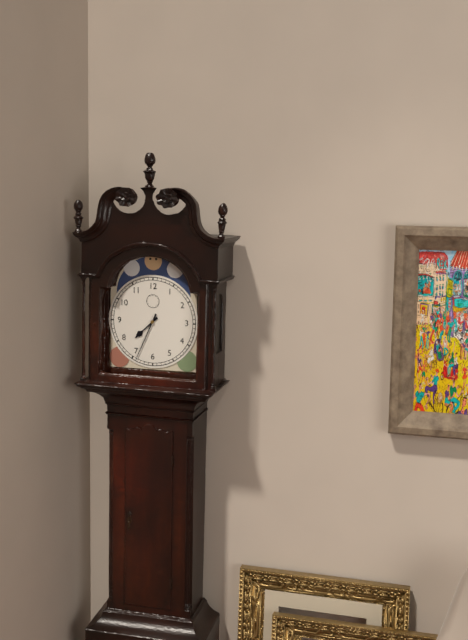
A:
7,34
